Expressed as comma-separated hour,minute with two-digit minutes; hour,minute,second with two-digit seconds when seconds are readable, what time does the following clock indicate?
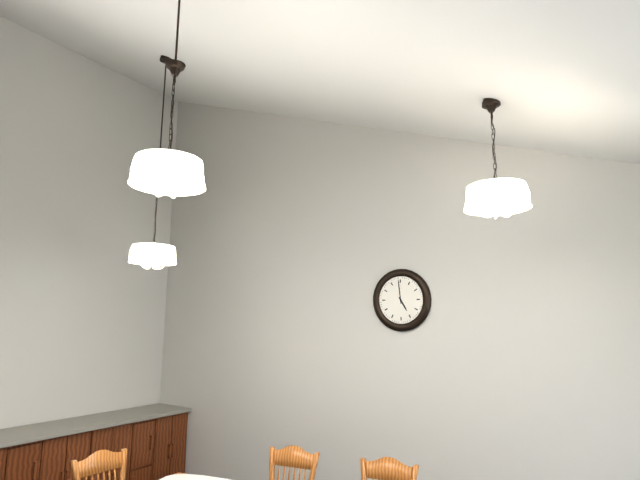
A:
4,59
